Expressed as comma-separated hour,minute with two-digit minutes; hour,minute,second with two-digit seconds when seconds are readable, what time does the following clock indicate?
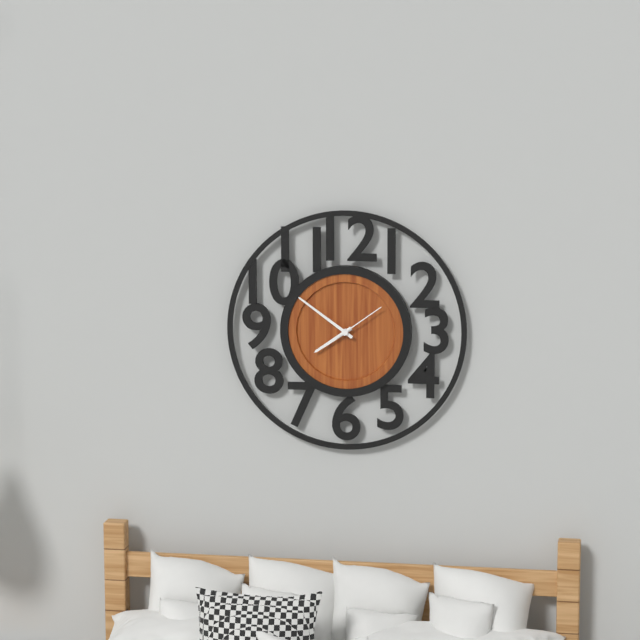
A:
7,51,09
